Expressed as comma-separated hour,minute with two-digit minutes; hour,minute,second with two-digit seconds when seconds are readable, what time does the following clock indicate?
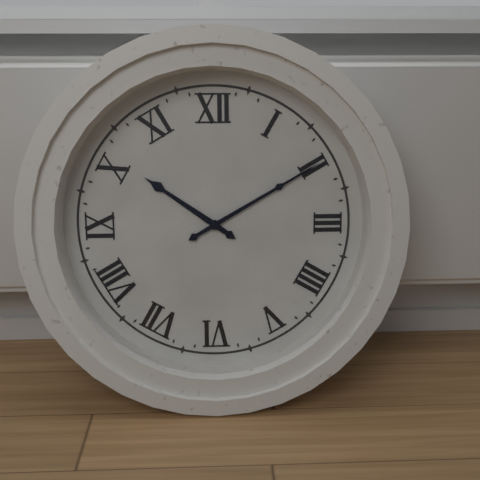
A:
10,10
